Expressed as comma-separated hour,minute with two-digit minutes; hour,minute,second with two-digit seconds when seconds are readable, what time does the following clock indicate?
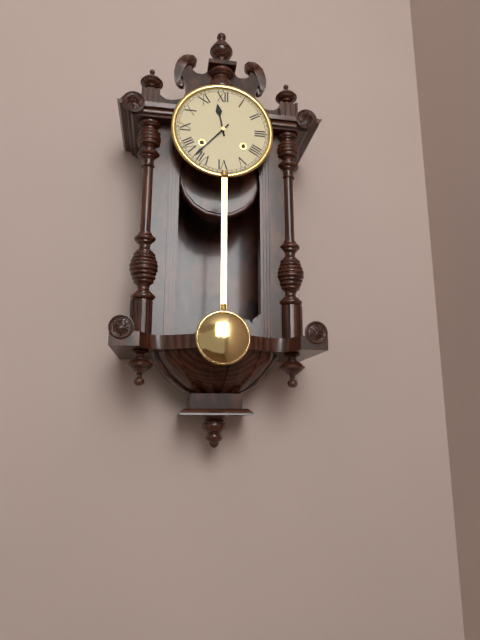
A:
11,37
